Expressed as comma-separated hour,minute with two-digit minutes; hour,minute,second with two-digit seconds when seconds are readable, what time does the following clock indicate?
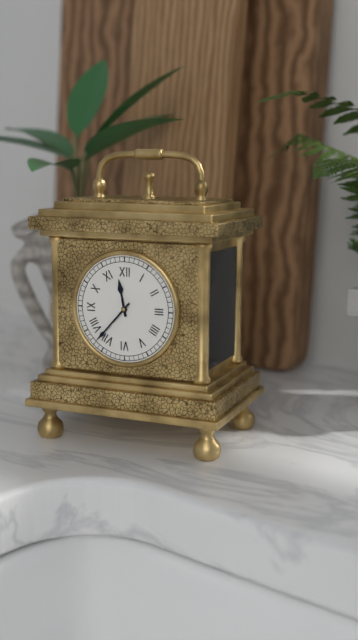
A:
11,37
